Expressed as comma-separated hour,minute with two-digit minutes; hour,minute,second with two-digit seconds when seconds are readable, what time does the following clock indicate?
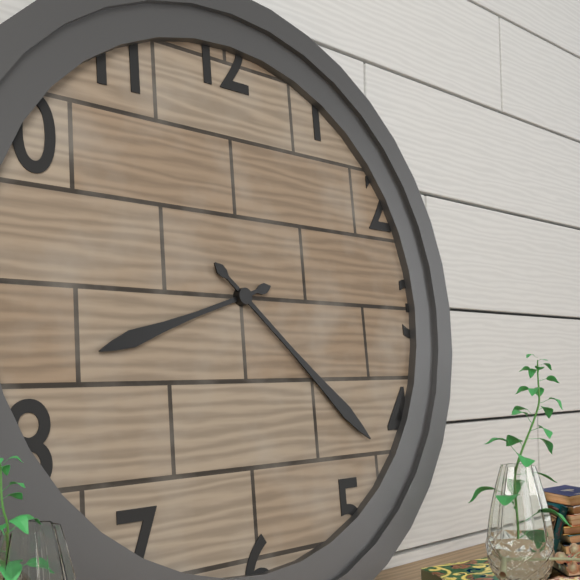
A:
8,22
